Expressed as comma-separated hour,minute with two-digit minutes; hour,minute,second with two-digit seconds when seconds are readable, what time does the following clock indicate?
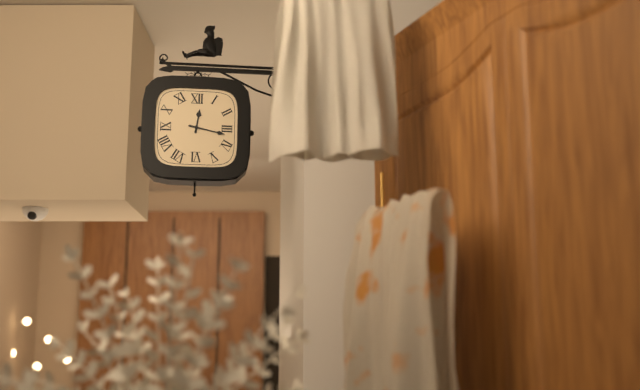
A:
12,17
